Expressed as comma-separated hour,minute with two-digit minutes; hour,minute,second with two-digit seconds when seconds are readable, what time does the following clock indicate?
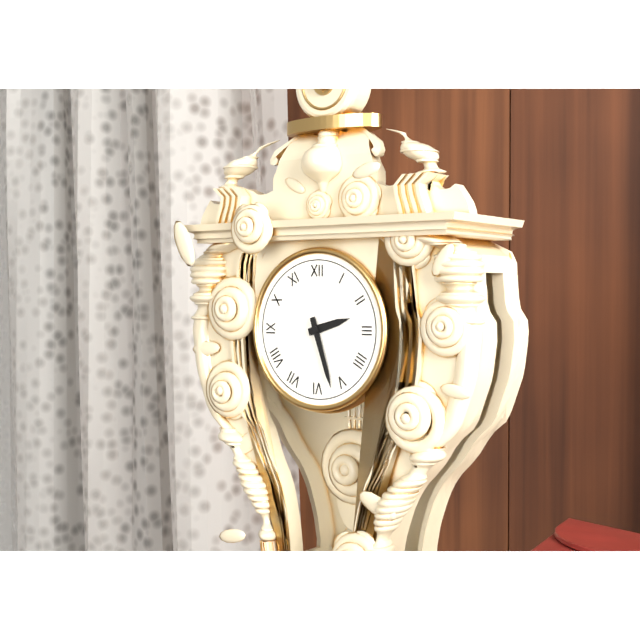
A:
2,27
